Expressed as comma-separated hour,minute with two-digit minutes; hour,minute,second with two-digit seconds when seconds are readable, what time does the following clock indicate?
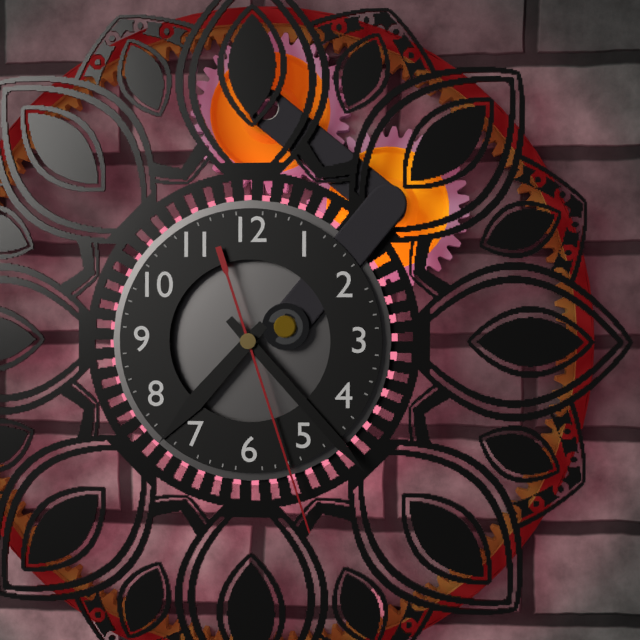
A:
7,23,27
